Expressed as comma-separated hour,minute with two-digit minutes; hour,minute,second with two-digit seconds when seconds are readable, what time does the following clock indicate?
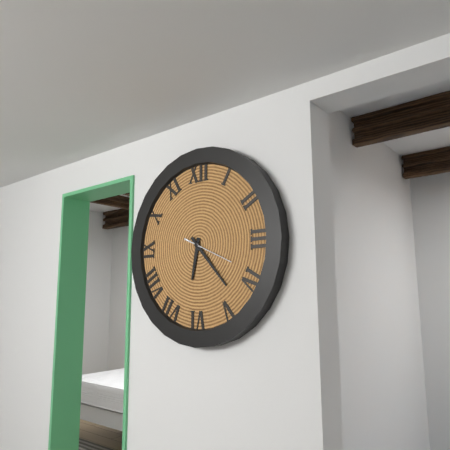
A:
6,23
